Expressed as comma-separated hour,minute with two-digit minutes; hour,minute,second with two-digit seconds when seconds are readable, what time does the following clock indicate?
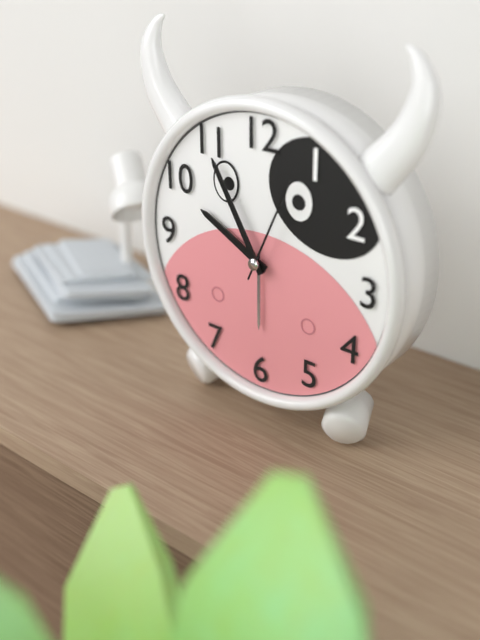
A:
9,55,04
